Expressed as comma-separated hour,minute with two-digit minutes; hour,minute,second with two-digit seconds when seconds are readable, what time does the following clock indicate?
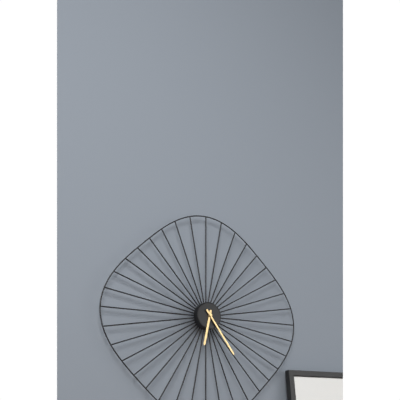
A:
6,24
